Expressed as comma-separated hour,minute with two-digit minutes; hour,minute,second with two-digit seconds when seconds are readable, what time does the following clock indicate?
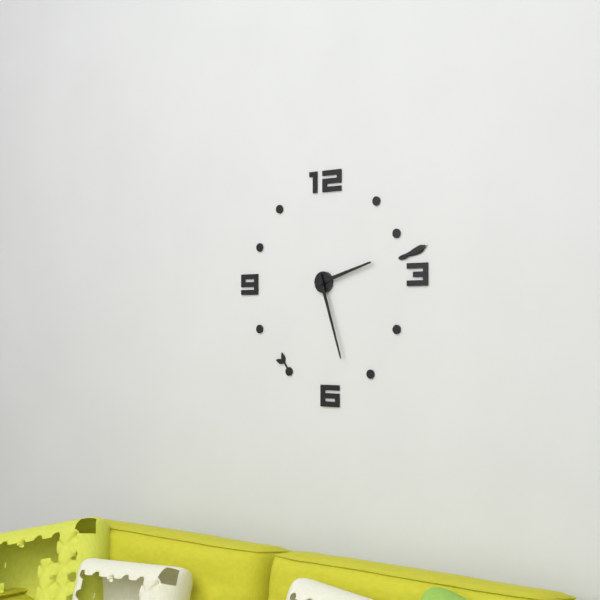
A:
2,27
